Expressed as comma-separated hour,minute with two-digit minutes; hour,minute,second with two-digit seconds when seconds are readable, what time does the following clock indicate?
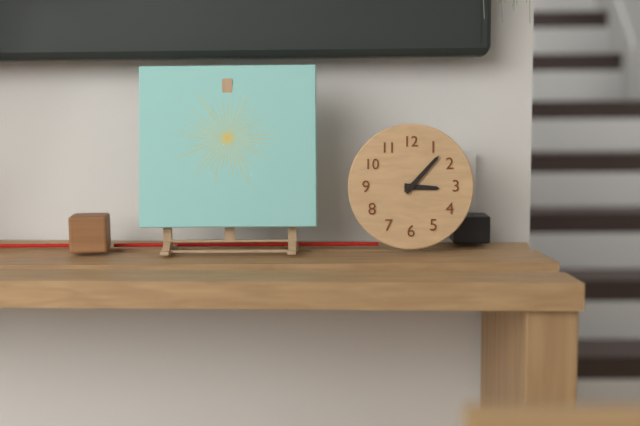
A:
3,07
